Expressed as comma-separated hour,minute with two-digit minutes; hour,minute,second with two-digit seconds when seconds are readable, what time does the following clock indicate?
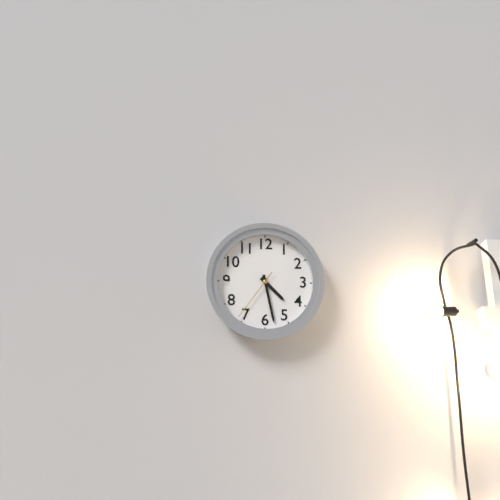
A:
4,28,36
